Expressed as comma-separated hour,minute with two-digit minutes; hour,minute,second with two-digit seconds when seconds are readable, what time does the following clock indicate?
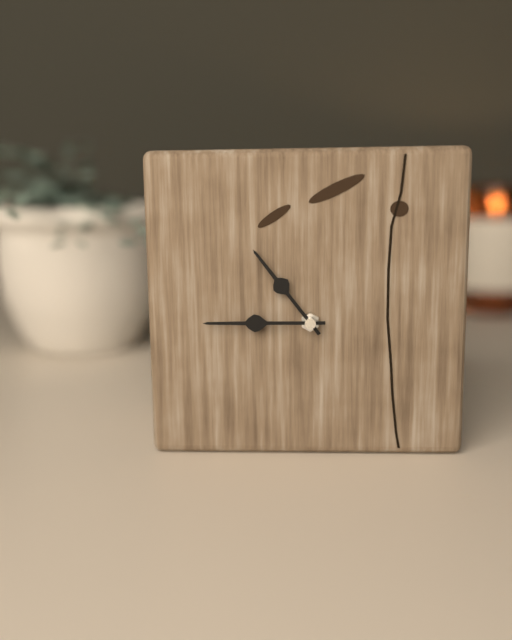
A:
10,45
